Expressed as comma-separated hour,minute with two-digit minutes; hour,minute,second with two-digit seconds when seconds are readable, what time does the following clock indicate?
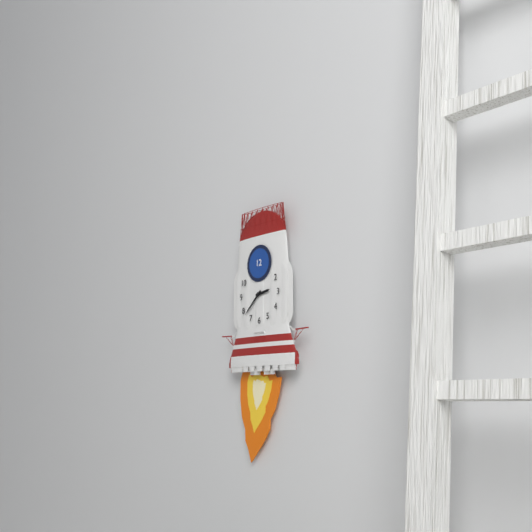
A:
2,38
